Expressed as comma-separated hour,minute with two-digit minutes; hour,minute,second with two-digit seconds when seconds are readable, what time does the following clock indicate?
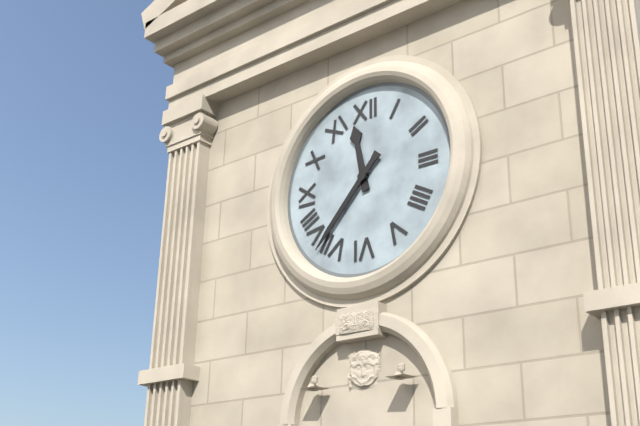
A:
11,37
